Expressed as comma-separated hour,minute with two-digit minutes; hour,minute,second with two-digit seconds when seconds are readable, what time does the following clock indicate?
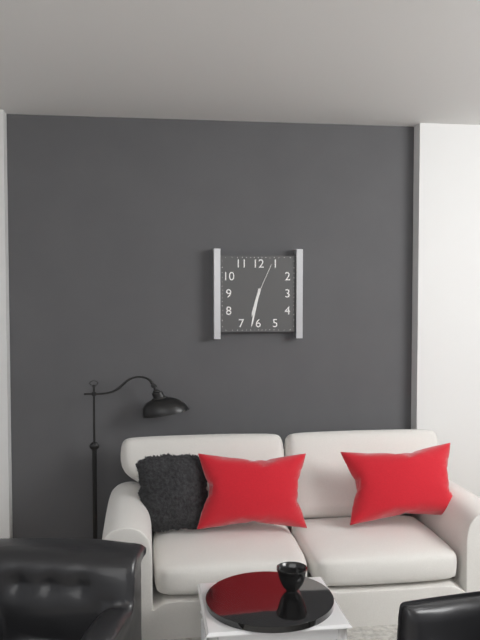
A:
6,32
